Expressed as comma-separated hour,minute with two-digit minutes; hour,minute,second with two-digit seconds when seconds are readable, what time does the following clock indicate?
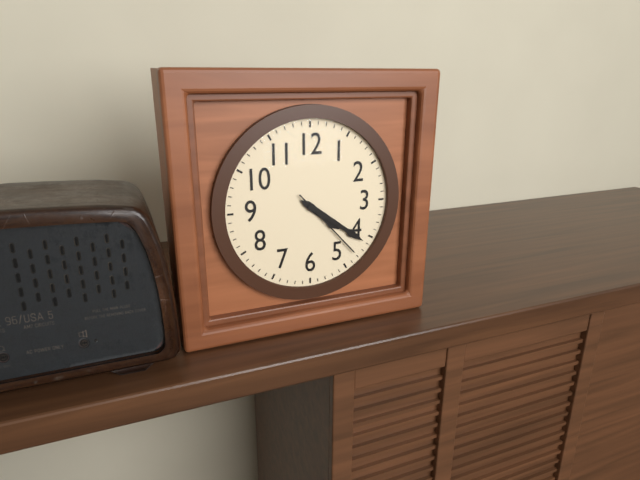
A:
4,21,23
